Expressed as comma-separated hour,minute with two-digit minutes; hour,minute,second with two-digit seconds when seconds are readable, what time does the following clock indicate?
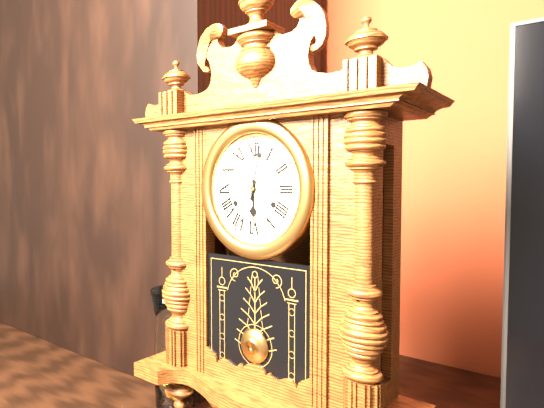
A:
6,02
